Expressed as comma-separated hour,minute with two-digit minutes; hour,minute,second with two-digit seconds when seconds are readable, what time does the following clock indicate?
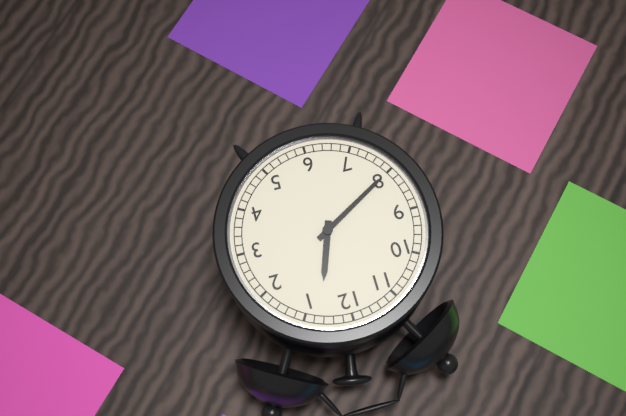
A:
12,40
